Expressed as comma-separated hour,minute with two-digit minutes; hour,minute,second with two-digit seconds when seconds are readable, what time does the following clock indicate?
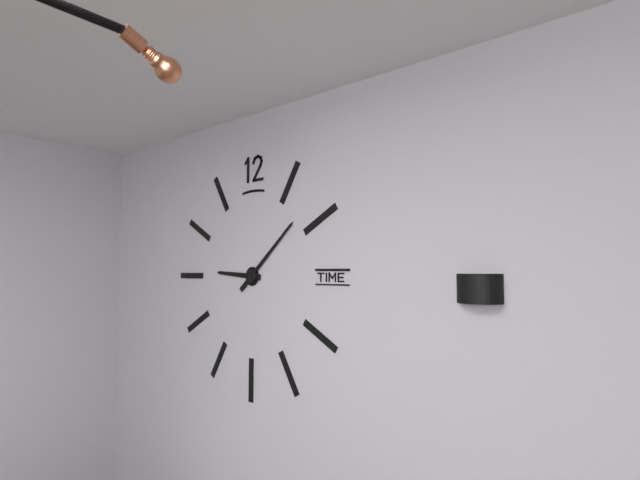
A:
9,08
